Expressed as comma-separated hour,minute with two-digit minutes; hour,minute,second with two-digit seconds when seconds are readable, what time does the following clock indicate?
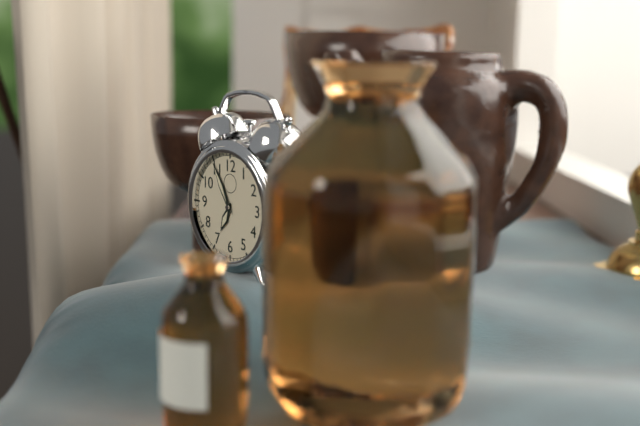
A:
6,55
